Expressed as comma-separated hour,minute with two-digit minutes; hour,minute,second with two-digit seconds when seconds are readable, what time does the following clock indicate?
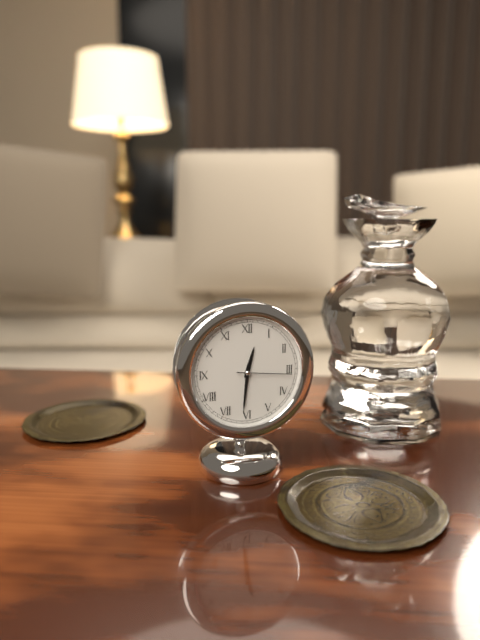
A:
12,31,16
